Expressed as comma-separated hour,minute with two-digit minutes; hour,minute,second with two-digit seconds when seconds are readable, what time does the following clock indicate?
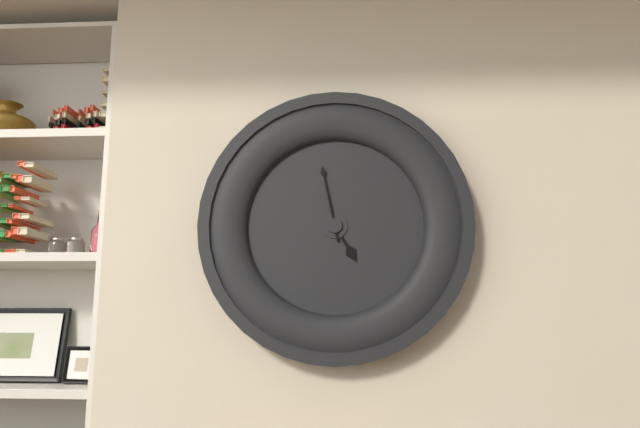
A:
4,58
